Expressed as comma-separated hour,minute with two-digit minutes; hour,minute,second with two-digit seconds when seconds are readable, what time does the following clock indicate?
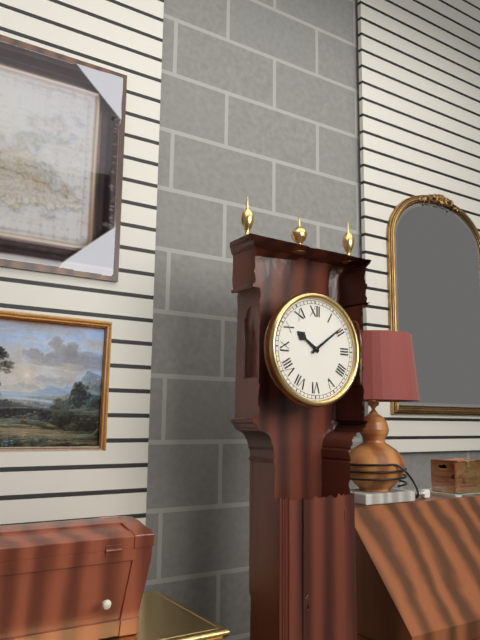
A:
10,09
